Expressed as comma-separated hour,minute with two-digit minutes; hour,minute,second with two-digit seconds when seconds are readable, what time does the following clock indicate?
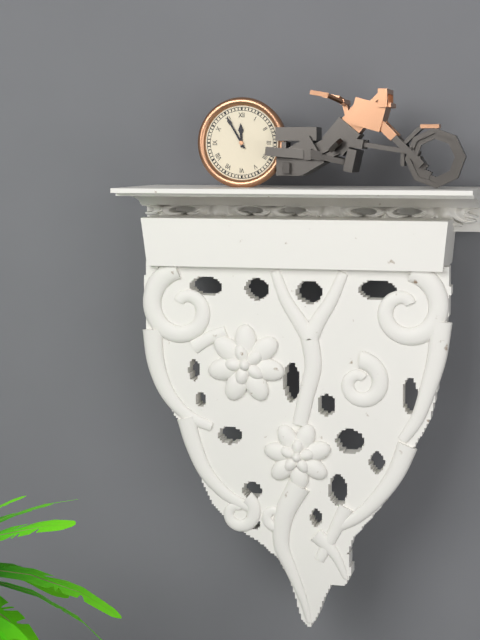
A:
11,55
